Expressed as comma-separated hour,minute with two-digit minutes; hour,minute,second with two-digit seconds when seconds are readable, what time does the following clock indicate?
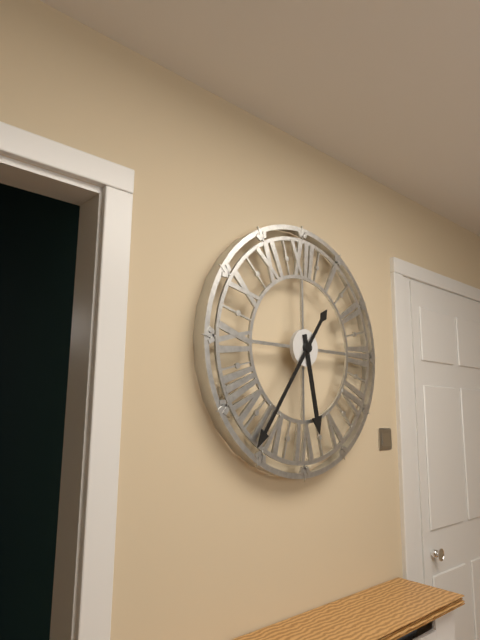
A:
5,36
